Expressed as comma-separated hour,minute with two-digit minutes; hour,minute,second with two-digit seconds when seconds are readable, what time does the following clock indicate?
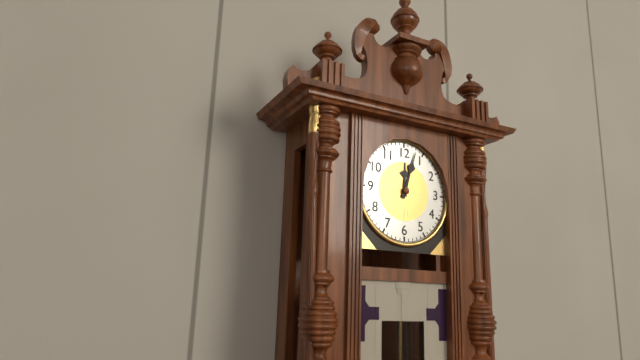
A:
12,03
